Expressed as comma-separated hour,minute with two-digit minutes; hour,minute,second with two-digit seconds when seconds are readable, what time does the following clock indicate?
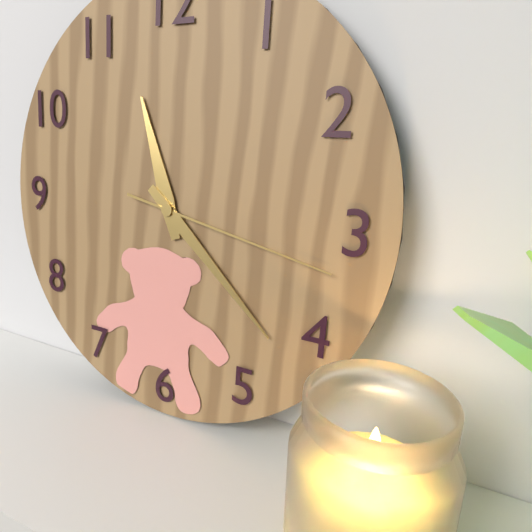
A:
11,22,17
